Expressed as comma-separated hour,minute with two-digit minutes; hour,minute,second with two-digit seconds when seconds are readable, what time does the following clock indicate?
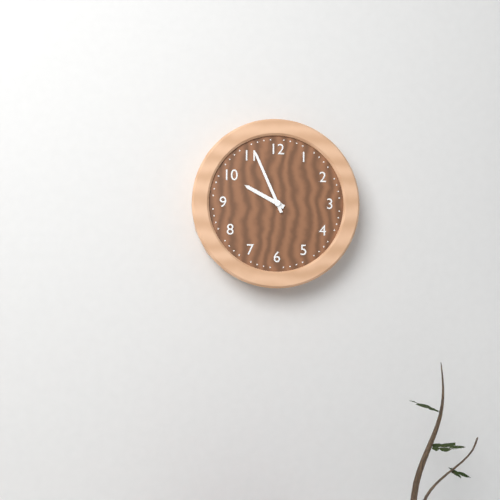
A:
9,56
